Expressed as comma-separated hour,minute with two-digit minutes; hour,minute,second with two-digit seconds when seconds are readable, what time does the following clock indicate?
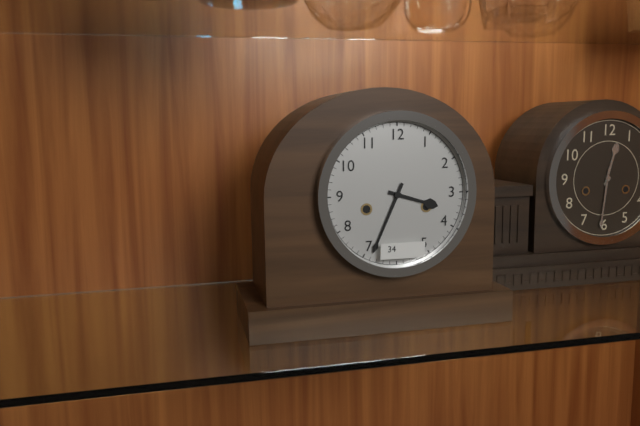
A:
3,34
